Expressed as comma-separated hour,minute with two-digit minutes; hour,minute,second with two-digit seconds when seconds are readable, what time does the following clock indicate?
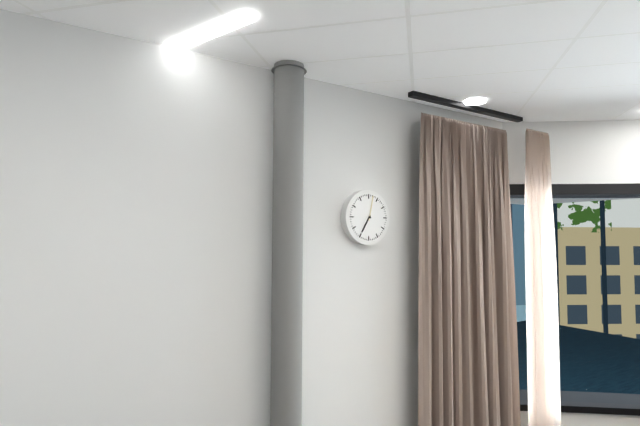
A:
7,02
